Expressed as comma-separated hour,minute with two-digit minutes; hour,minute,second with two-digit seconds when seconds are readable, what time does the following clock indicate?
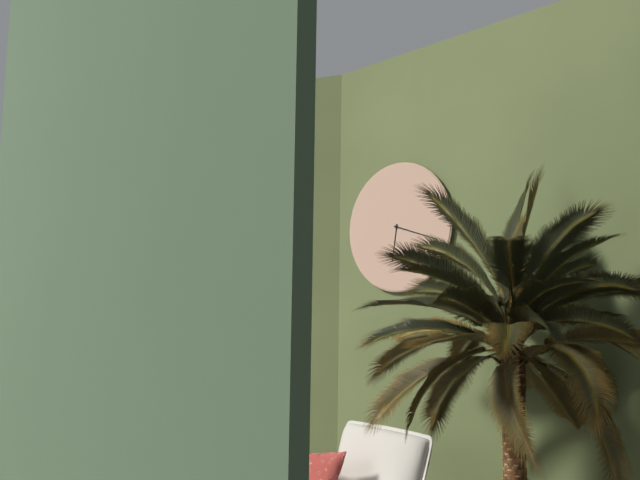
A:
6,18
